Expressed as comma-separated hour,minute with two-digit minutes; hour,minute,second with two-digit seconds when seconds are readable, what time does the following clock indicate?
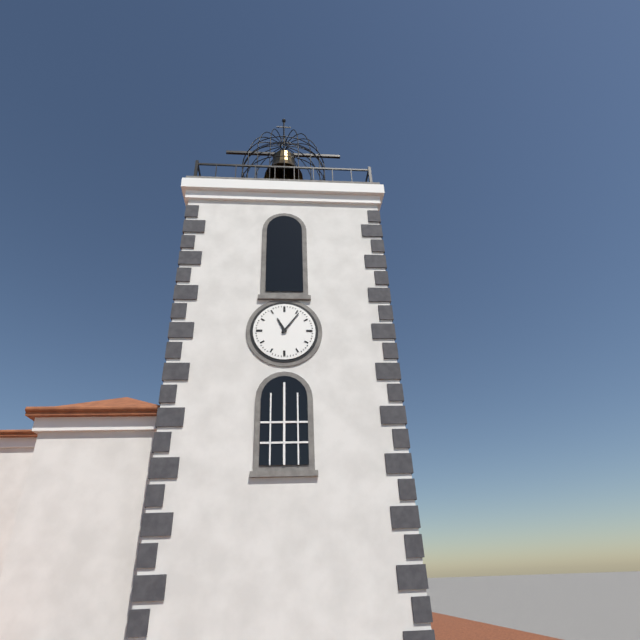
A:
11,06
